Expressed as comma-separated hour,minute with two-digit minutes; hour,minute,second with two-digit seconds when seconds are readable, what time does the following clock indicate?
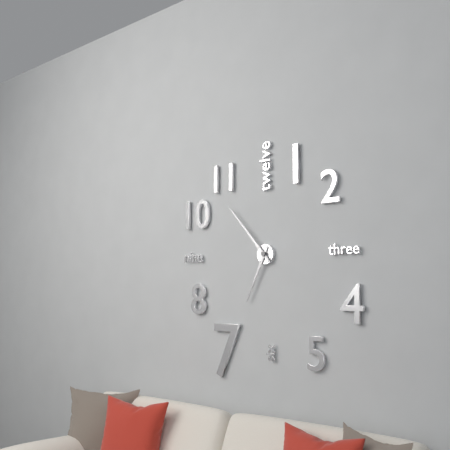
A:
6,53
